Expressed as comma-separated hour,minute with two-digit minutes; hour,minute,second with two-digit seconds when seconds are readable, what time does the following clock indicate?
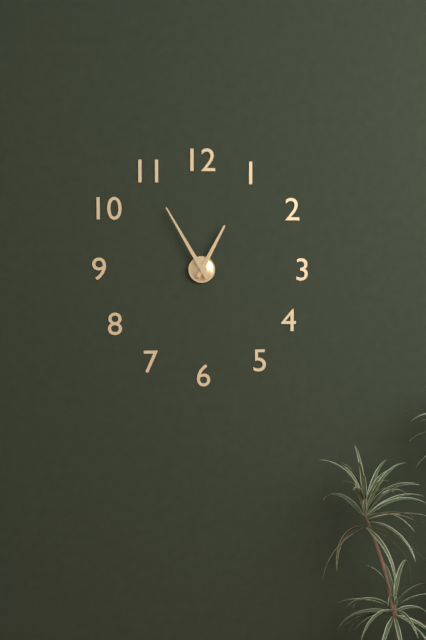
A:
12,55
